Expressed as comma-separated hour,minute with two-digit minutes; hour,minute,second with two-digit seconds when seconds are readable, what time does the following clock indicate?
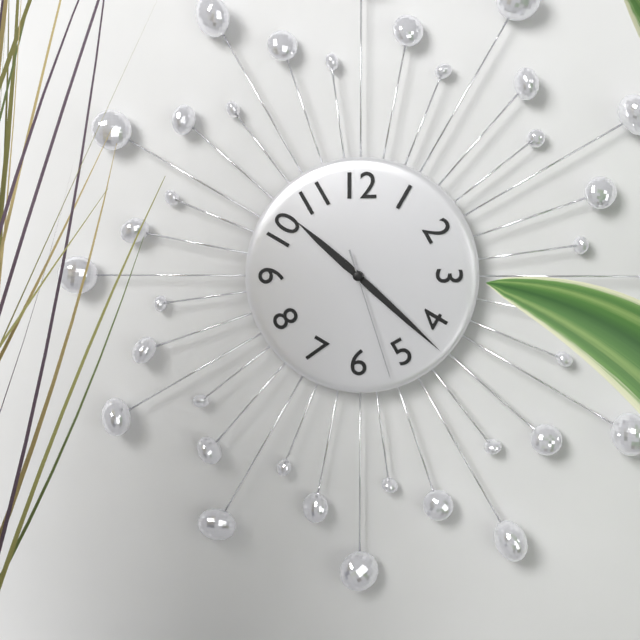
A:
10,22,27
